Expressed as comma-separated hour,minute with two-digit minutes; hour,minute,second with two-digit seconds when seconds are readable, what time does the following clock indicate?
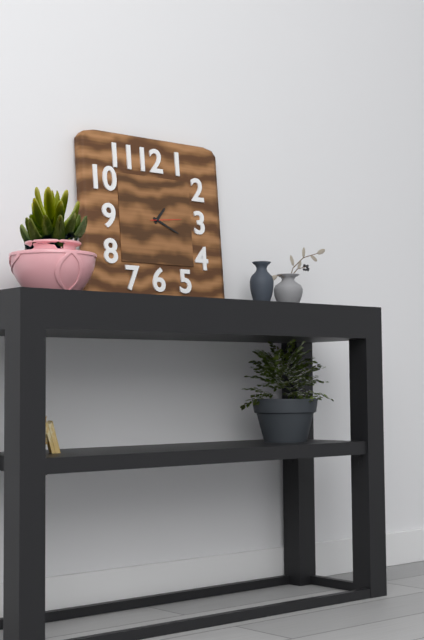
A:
1,19
